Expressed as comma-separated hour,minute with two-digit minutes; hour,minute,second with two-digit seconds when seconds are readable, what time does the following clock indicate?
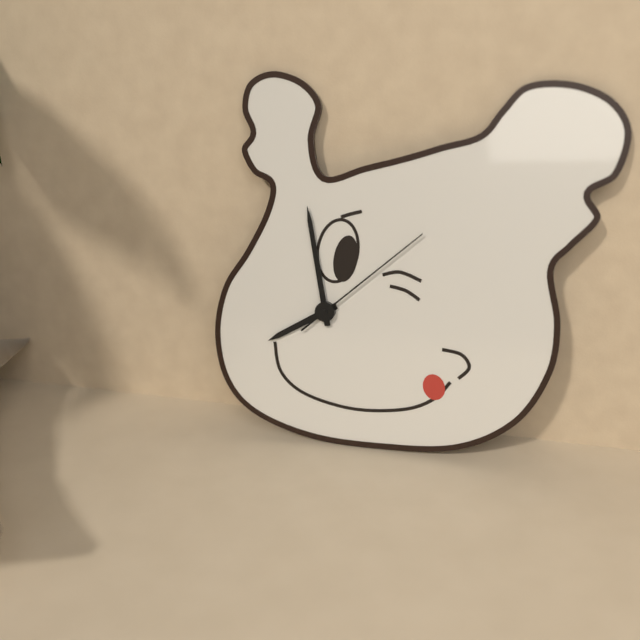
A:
7,58,08
